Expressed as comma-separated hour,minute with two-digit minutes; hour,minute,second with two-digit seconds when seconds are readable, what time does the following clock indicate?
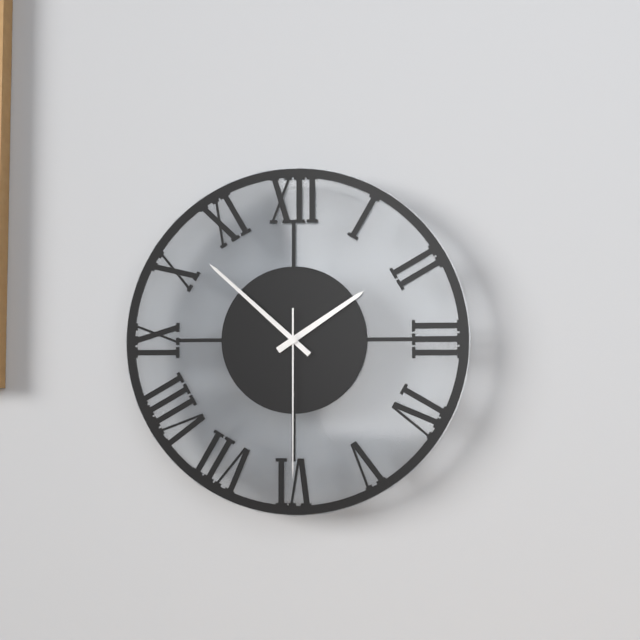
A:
1,52,30
